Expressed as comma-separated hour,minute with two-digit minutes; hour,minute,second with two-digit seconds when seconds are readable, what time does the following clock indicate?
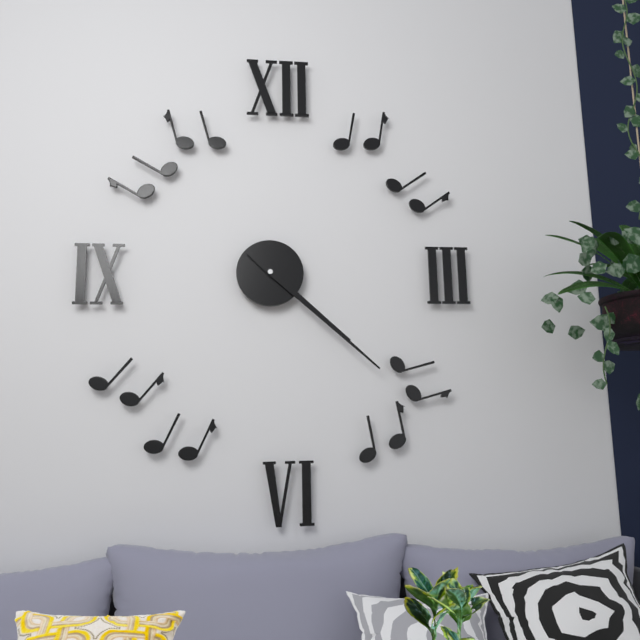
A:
4,22
